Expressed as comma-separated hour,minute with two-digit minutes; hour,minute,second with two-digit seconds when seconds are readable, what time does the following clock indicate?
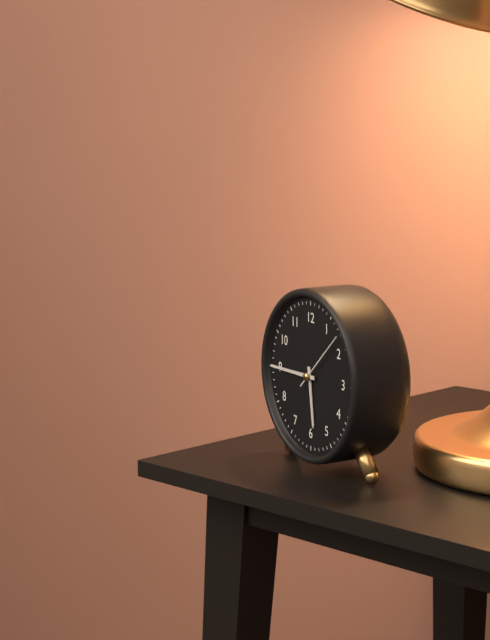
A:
5,45,08
